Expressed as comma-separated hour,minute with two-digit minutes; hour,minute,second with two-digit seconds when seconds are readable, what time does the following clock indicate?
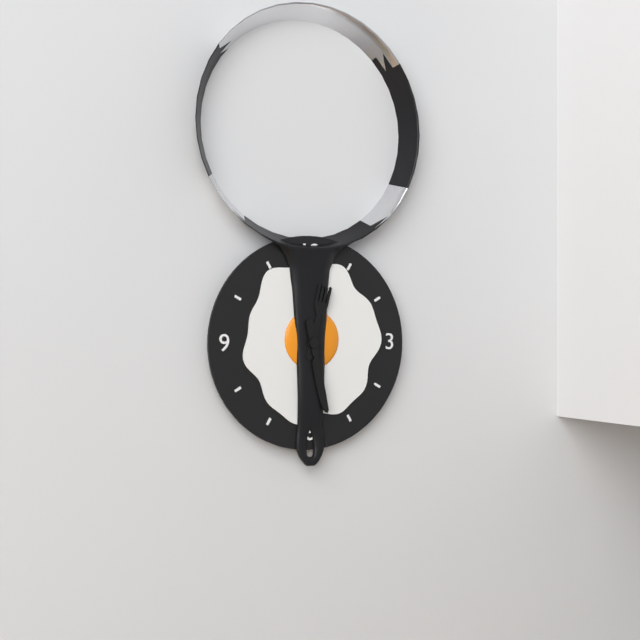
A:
12,28
